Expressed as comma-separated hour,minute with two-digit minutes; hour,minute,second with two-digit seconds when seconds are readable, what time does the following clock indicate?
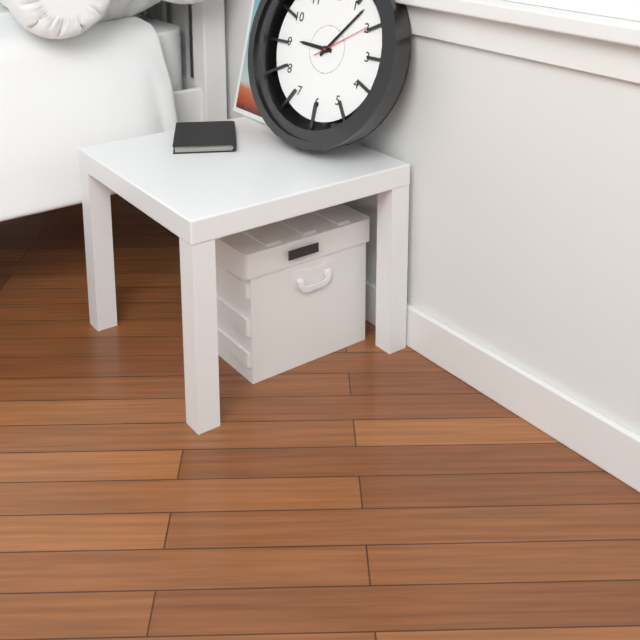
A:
9,07,10
